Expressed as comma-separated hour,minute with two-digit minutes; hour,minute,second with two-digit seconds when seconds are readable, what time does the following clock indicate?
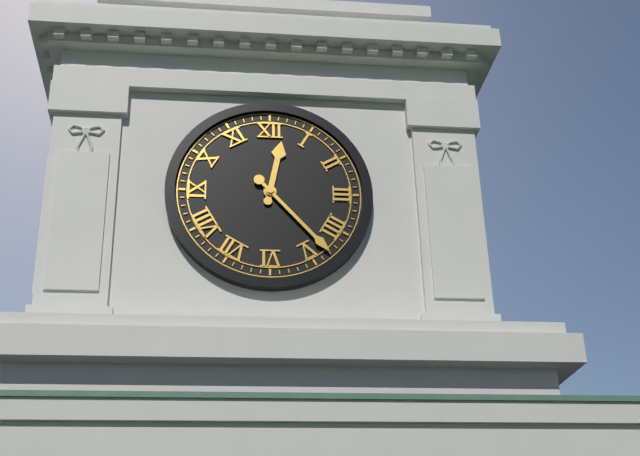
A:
12,23
